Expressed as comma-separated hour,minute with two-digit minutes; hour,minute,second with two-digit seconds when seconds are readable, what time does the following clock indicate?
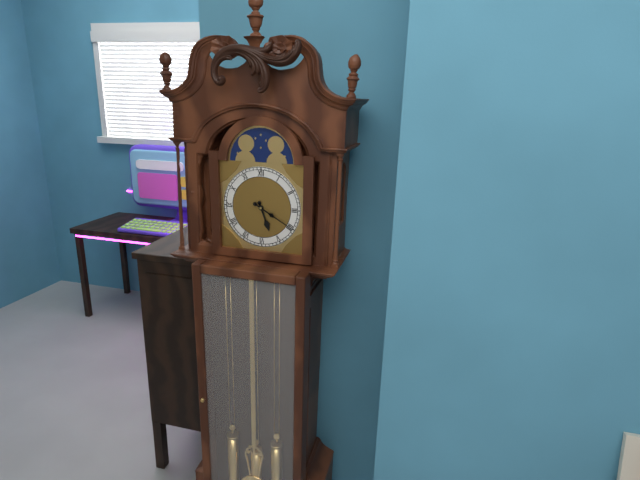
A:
5,20
